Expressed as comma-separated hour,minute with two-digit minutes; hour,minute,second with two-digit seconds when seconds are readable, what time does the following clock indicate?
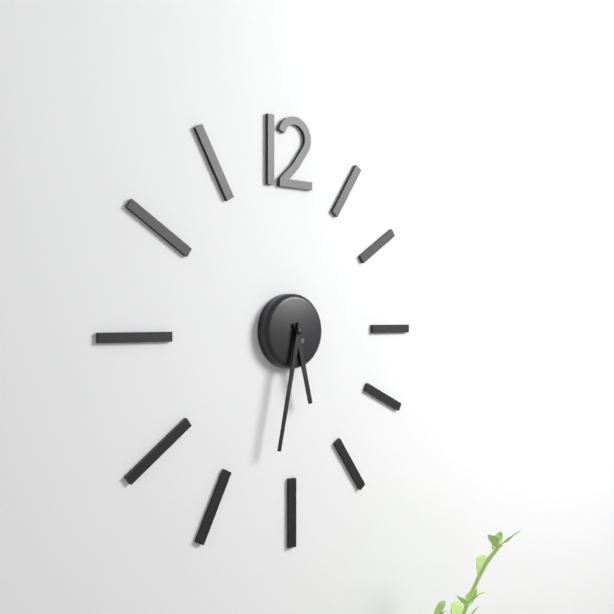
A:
5,32
